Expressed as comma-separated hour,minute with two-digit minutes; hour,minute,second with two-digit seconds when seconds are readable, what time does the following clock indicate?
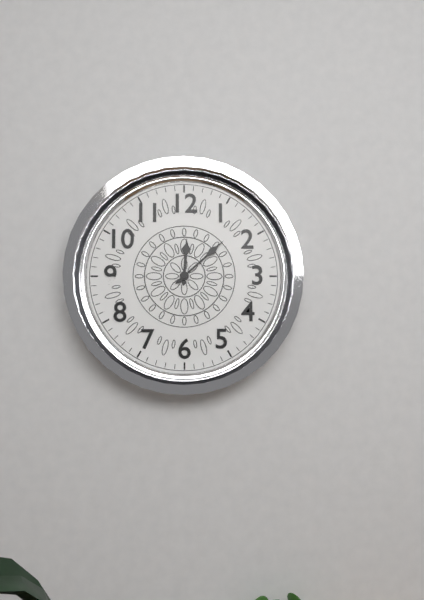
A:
12,08
